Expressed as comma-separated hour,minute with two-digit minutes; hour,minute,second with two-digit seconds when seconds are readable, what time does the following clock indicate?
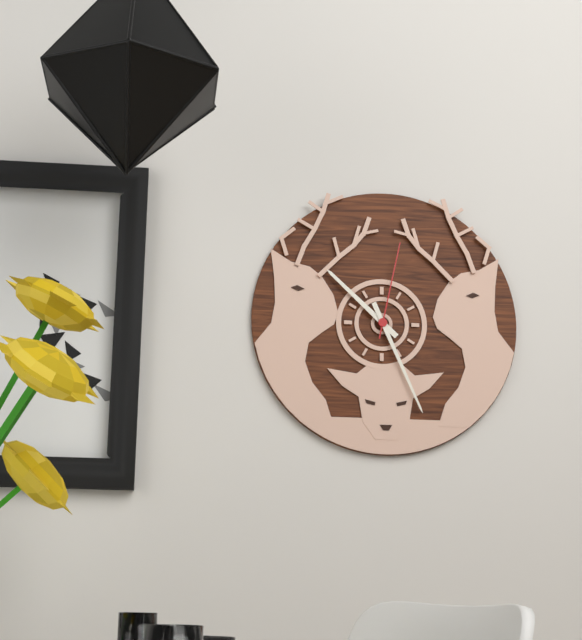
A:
10,26,02
